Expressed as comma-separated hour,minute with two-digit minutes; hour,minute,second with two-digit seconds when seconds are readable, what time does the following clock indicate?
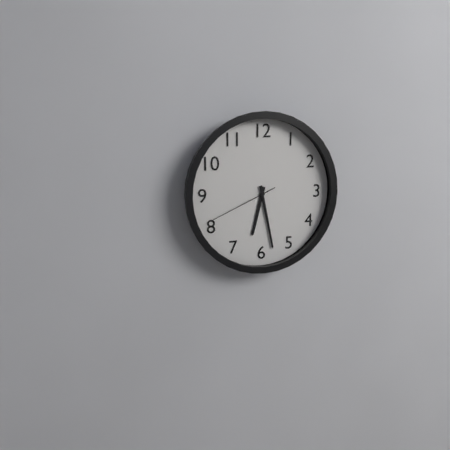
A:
6,28,41
